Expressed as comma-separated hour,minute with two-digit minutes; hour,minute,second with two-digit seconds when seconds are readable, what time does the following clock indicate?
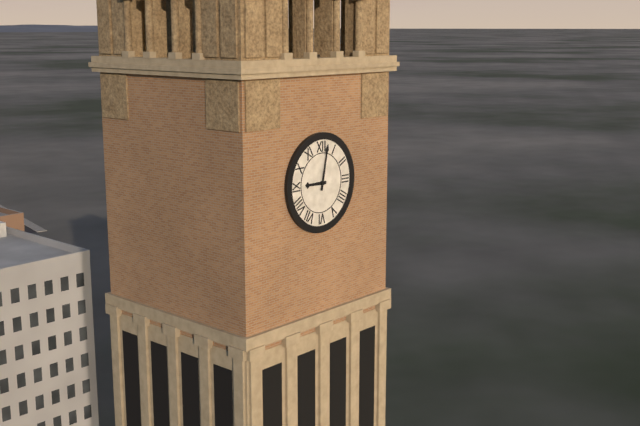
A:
9,02
